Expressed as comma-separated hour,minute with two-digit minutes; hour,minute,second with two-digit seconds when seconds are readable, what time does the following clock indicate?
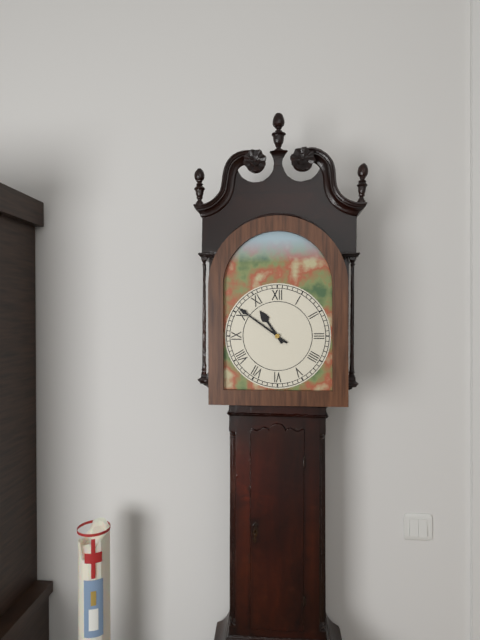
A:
10,51
